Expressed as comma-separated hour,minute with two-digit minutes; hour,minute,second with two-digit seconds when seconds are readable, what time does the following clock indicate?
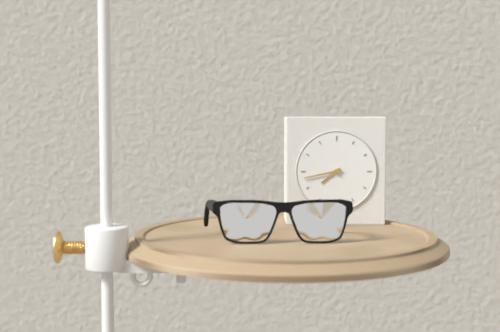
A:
7,43
